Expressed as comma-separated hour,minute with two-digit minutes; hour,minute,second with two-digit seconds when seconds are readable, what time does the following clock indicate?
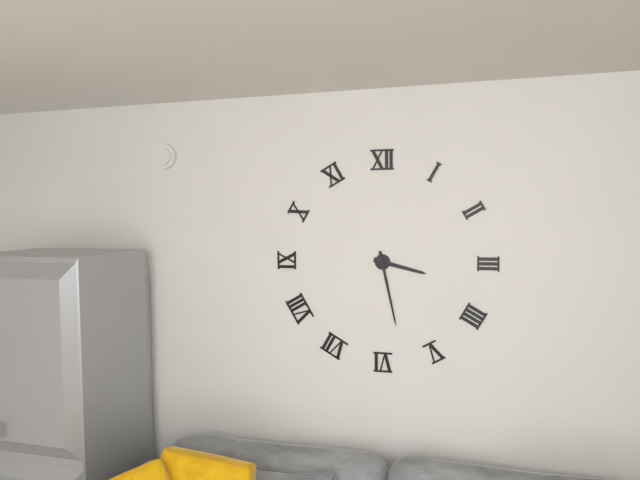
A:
3,28
